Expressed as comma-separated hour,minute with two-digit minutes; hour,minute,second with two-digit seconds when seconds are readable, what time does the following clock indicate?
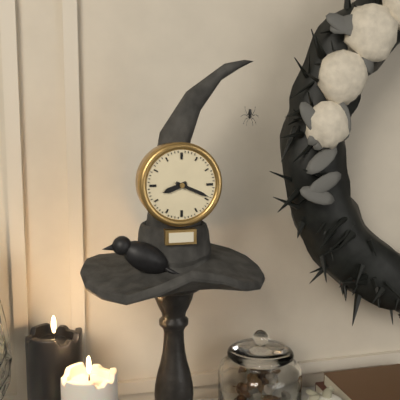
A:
8,19
